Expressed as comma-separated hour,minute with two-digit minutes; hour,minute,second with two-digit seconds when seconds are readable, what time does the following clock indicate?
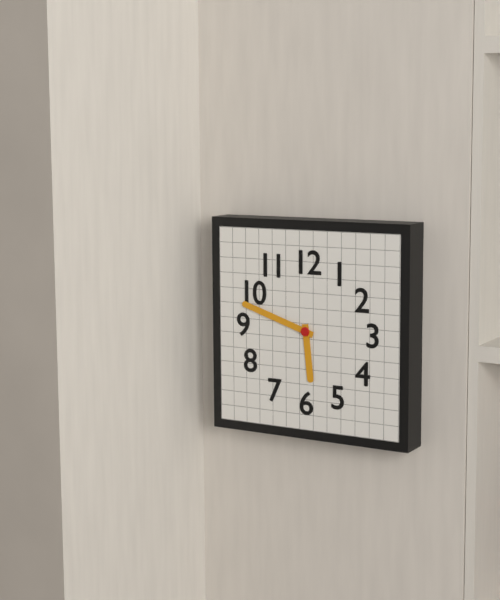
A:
5,48
